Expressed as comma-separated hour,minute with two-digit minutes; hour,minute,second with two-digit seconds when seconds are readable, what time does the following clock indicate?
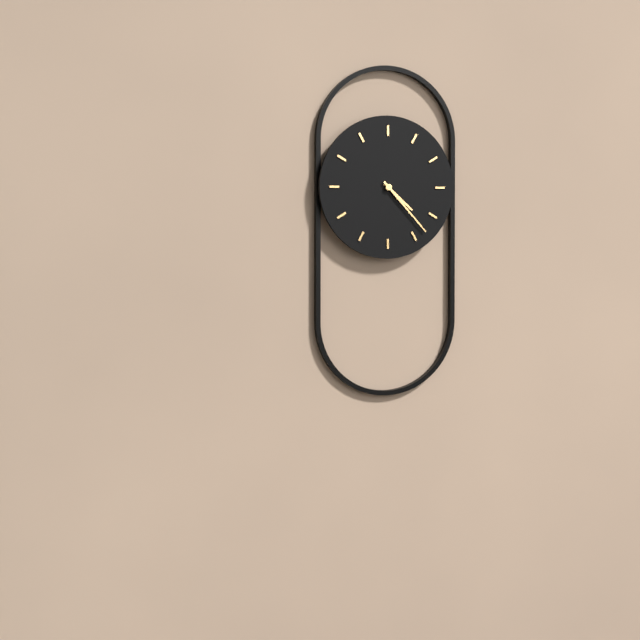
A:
4,23
